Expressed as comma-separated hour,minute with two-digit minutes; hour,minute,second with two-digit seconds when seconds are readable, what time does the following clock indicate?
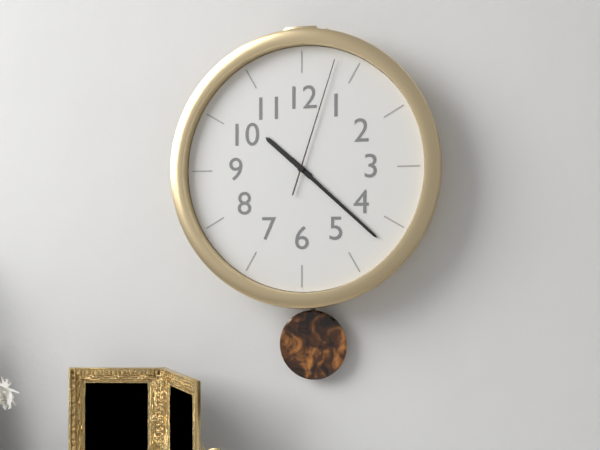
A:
10,22,03
